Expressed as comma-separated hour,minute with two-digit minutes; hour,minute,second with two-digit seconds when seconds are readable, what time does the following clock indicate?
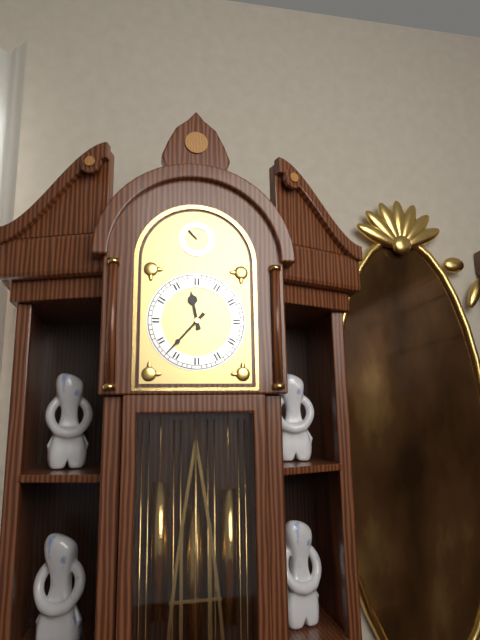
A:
11,37
